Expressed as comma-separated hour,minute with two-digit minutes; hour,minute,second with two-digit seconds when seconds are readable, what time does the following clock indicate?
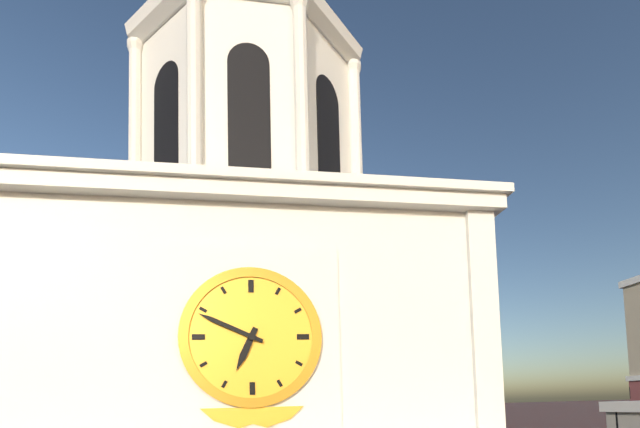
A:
6,49
